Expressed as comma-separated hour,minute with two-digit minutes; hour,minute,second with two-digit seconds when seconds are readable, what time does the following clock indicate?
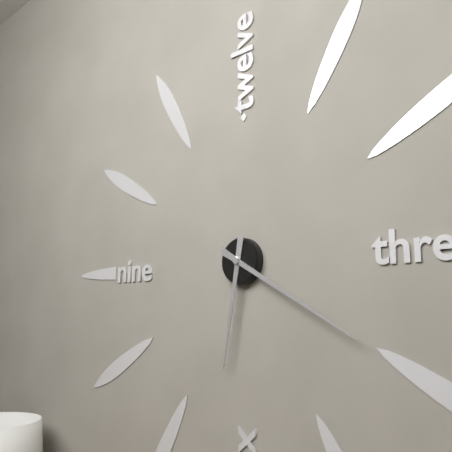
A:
6,20
